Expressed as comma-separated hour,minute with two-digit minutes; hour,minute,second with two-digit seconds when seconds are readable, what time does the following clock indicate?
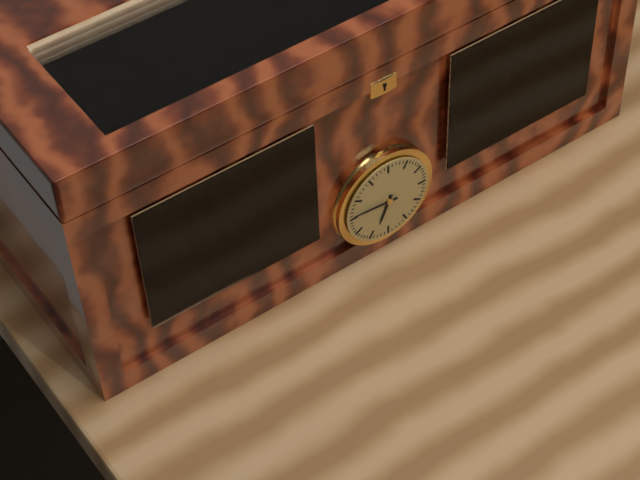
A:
6,46
